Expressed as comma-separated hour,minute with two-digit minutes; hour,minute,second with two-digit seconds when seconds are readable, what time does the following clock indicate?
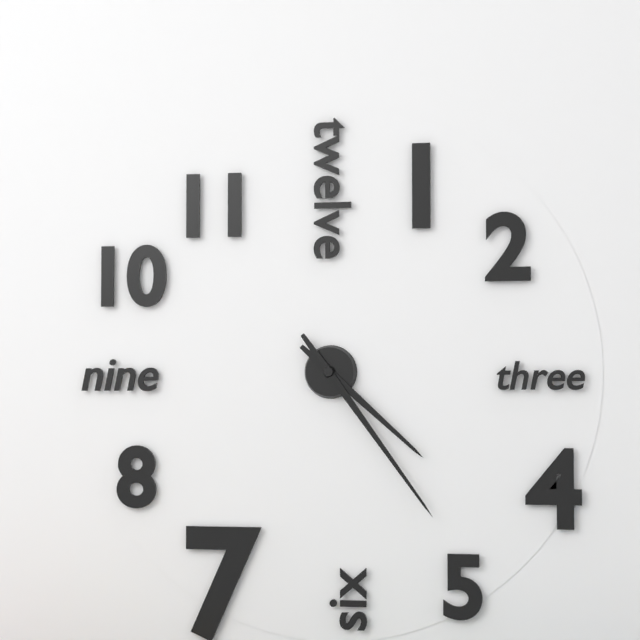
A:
4,24
